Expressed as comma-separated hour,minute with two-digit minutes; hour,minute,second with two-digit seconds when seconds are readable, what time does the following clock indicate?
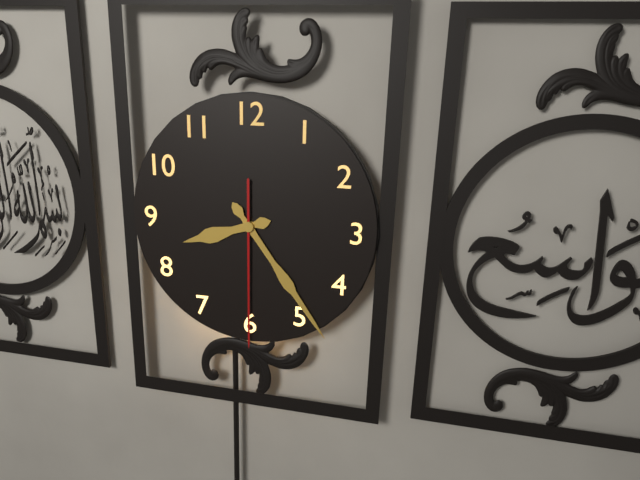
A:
8,24,30
